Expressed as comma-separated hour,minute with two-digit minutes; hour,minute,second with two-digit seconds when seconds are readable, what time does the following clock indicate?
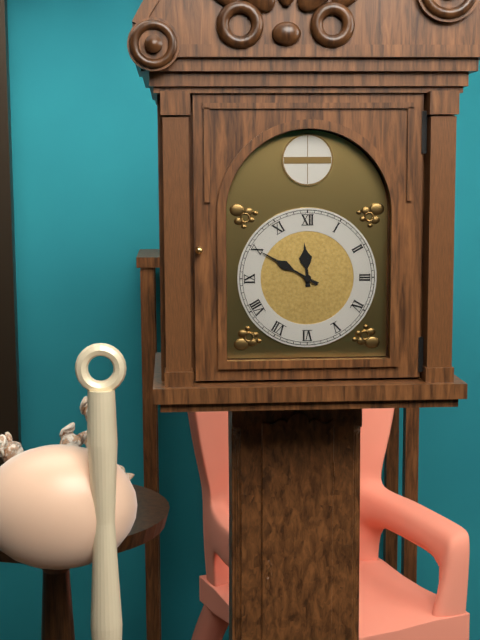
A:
11,50
